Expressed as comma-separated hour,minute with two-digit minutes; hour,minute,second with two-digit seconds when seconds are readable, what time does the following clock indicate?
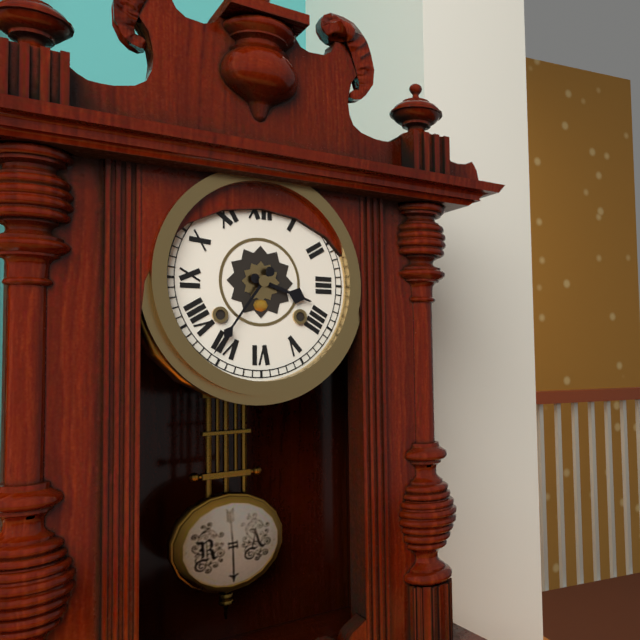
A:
3,36
